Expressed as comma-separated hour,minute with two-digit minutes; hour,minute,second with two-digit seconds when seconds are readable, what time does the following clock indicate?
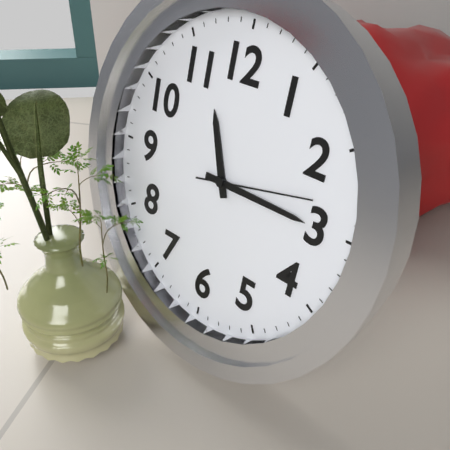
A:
11,15,13
